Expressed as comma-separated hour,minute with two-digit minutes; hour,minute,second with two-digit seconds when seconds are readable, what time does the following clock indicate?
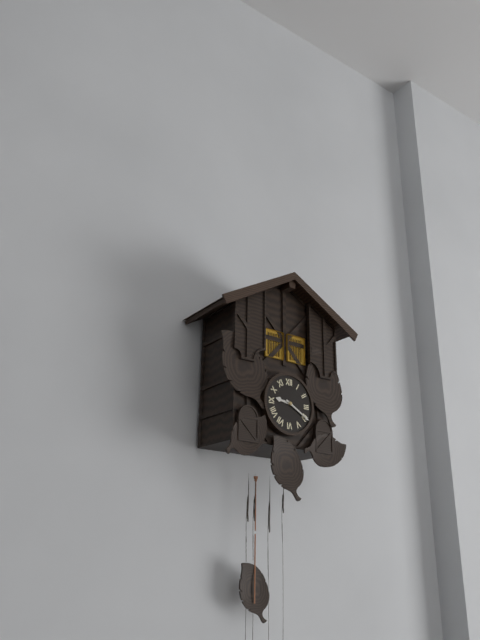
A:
9,20
